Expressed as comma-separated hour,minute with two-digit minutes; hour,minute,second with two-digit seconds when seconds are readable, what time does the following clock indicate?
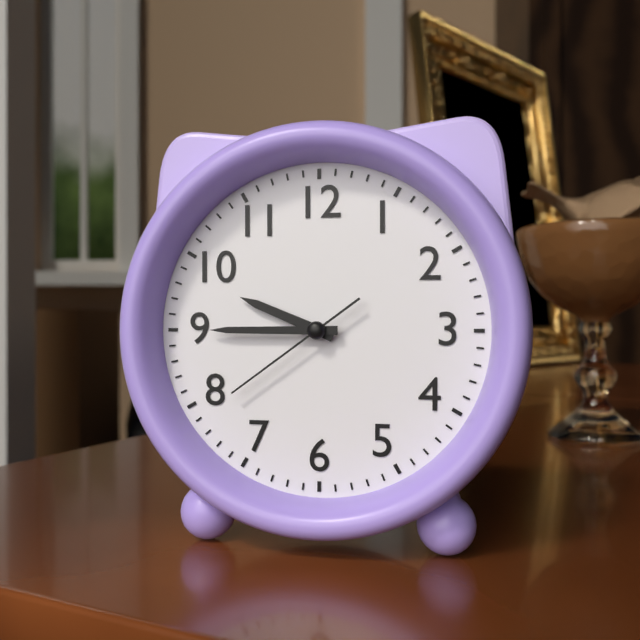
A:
9,45,39
